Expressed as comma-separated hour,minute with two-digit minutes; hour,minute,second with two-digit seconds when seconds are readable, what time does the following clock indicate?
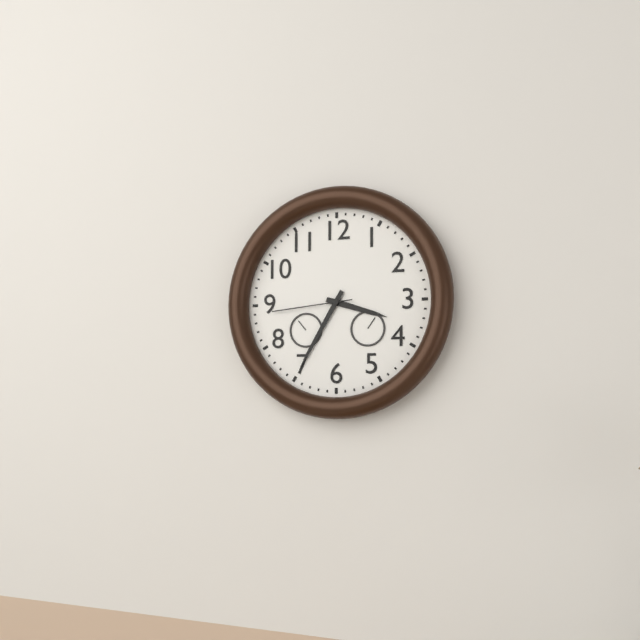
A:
3,35,44
